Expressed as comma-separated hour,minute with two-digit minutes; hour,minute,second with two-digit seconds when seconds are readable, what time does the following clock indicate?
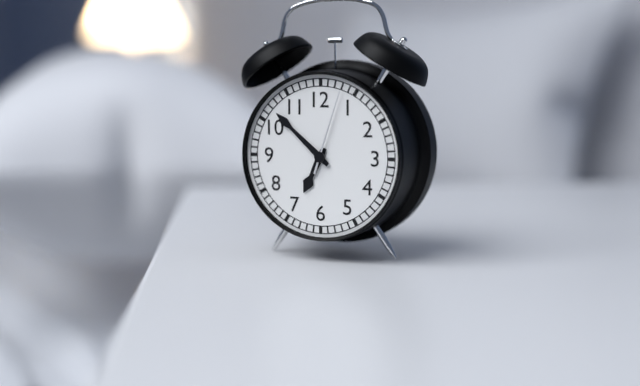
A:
6,52,03
